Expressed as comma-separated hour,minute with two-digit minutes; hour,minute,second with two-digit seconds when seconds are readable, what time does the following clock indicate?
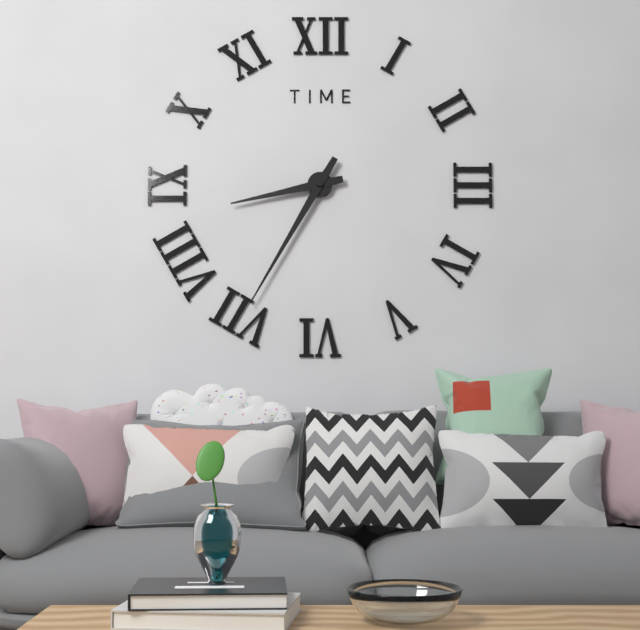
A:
8,35
